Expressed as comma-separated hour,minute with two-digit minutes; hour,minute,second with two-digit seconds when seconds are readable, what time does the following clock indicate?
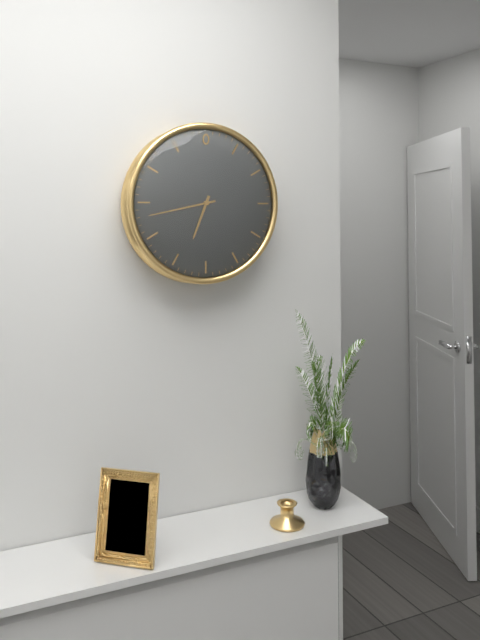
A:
6,43
